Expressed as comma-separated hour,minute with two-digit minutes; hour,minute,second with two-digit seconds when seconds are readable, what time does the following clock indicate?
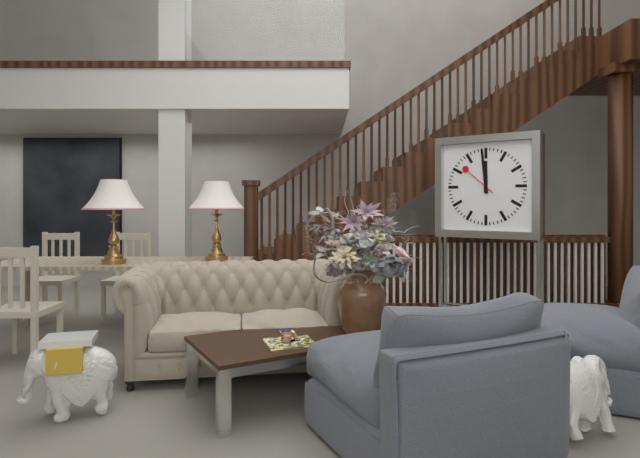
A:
11,59
